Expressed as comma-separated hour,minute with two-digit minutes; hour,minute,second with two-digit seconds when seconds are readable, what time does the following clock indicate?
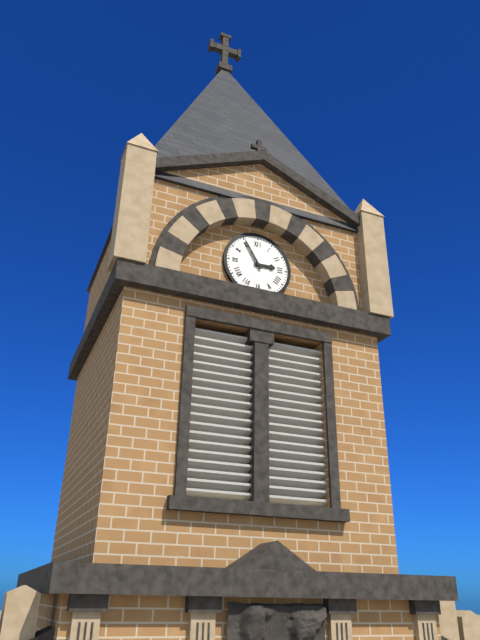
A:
2,55
